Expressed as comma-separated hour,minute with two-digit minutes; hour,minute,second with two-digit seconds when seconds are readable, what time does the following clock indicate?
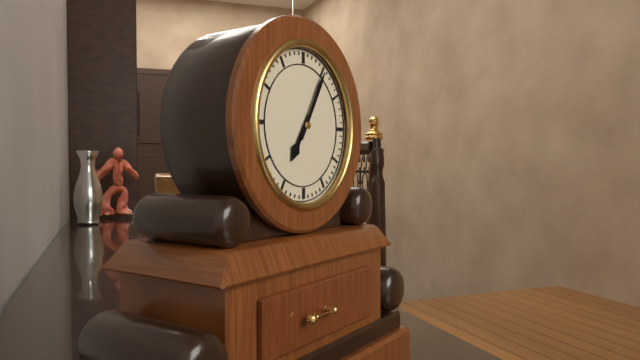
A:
7,05
